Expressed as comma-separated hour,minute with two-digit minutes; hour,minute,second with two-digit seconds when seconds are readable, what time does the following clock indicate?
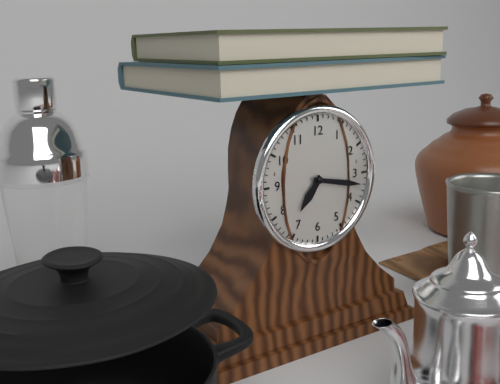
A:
7,17
